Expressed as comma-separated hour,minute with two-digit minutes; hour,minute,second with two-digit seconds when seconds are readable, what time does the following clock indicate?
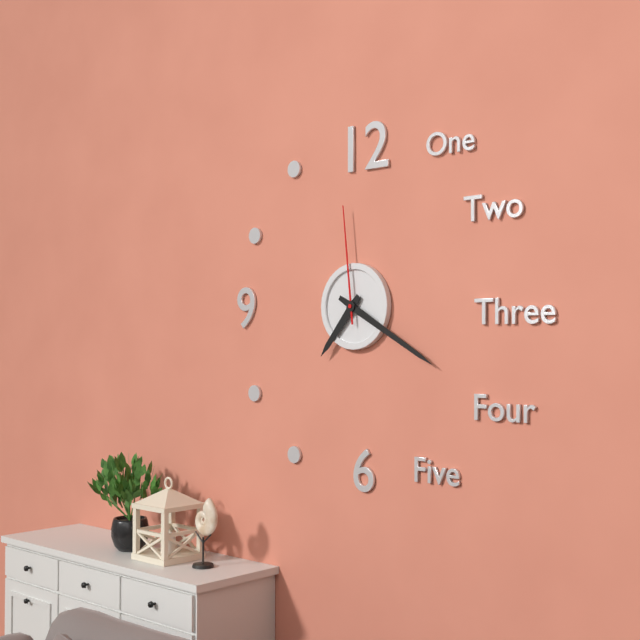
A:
7,20,59
